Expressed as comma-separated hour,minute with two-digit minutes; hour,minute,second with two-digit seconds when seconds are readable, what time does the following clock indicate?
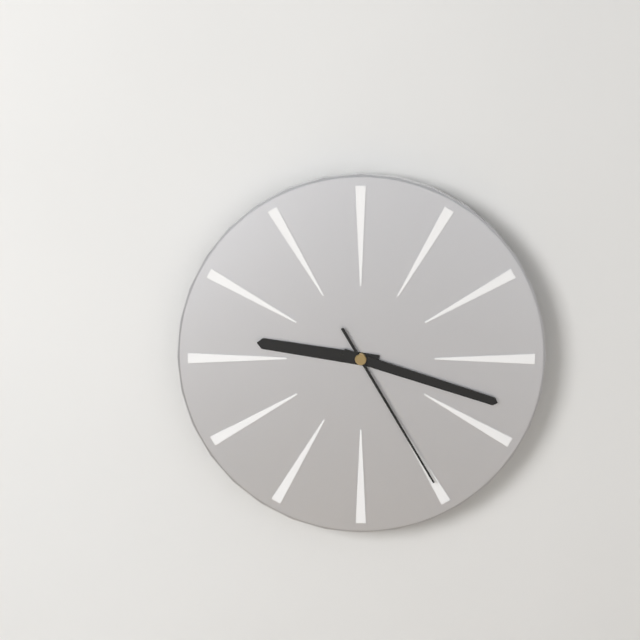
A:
9,18,25
